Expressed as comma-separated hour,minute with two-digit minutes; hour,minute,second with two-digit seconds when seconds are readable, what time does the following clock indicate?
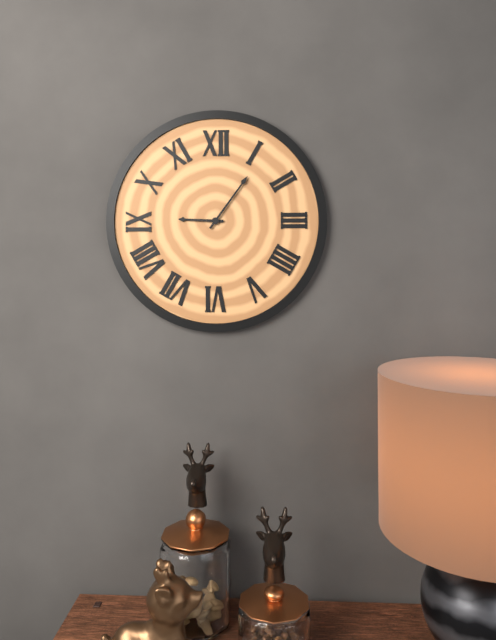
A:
9,06
